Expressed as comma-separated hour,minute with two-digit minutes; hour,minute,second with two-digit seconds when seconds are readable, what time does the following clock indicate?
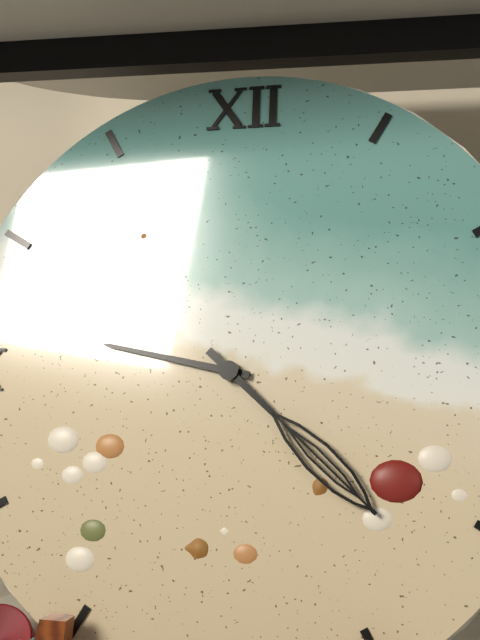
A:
9,22
